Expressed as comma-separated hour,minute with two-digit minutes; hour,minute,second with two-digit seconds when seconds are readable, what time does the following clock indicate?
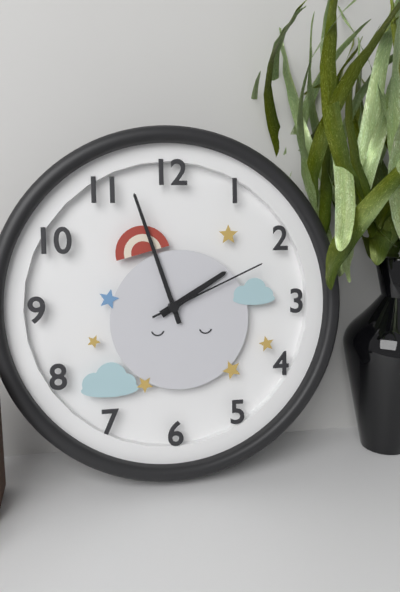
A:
1,57,11
